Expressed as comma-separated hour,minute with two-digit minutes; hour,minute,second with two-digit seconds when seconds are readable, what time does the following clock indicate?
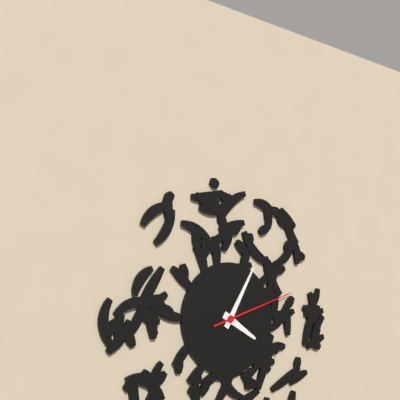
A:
4,05,12
